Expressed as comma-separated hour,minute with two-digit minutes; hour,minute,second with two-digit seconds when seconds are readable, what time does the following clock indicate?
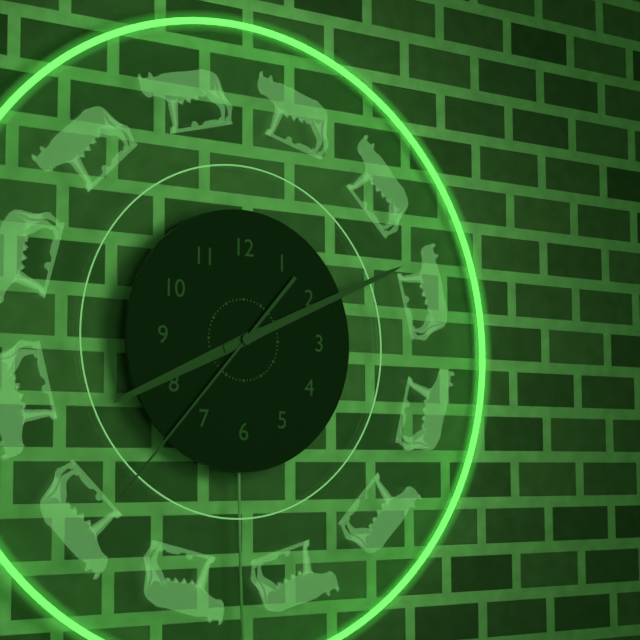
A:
8,11,37
